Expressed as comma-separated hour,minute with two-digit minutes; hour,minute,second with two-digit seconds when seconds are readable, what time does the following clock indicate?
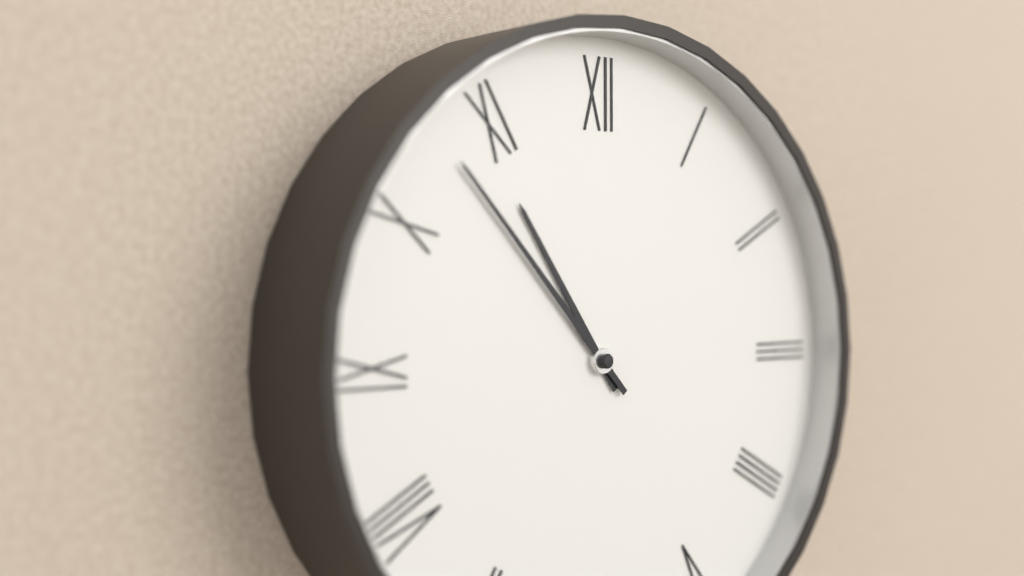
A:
10,53
